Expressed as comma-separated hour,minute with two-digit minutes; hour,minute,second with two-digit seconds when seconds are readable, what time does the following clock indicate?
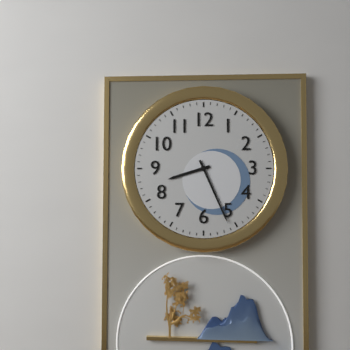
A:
8,26
